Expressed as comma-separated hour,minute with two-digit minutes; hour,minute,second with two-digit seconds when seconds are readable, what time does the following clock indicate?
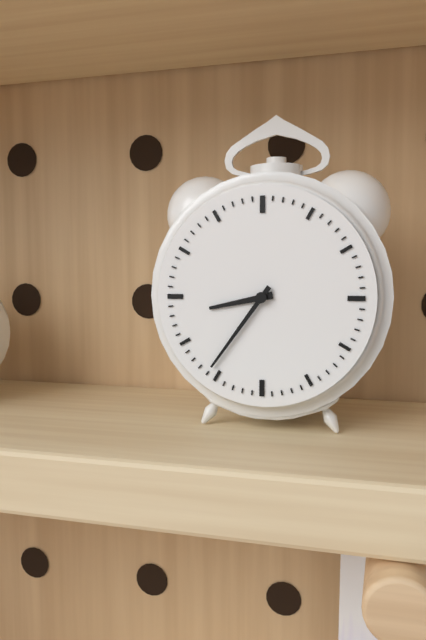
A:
8,36
